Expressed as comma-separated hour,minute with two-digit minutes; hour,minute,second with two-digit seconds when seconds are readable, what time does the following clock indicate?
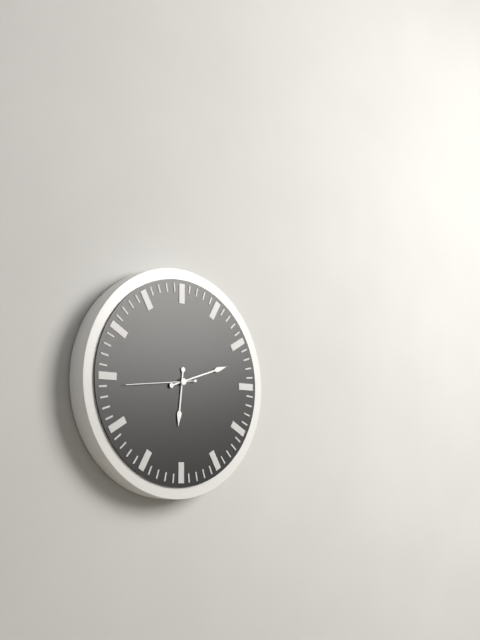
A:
6,12,44
